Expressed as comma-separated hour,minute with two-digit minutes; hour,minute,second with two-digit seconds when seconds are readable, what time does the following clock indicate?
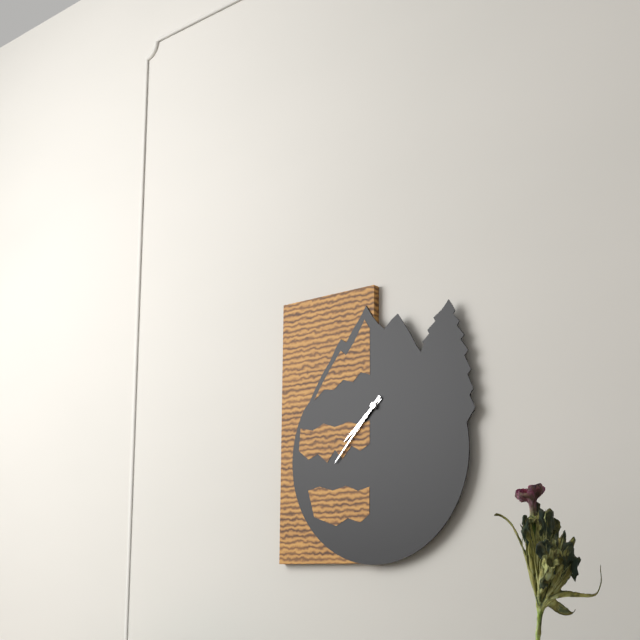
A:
7,37
